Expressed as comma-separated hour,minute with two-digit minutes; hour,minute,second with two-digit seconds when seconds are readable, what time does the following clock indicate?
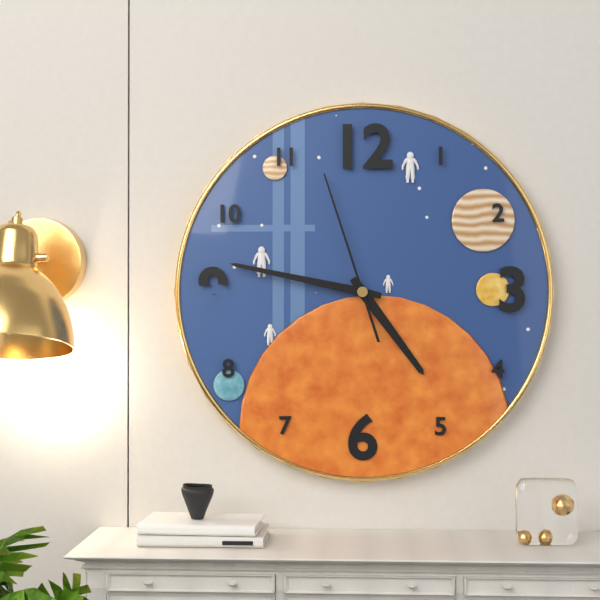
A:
4,47,57
